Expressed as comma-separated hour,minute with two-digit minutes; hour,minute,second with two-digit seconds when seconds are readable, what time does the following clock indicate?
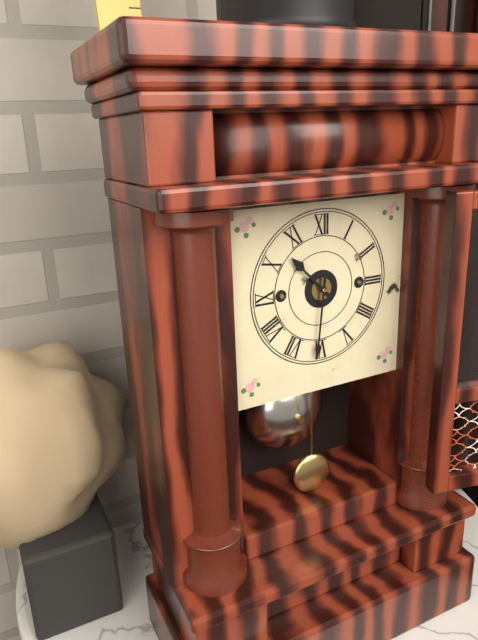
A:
10,31
